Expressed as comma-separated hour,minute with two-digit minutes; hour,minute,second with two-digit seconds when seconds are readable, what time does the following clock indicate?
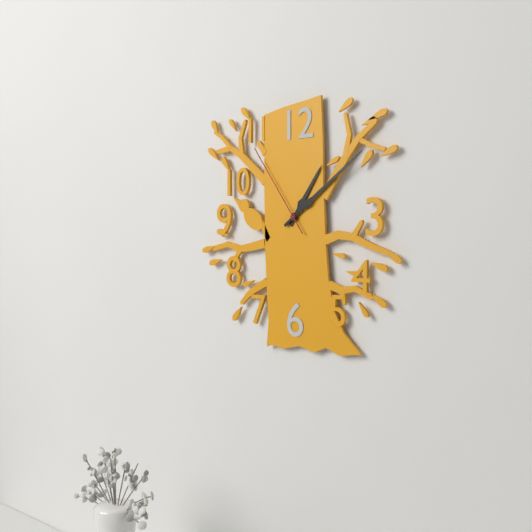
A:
1,09,54
